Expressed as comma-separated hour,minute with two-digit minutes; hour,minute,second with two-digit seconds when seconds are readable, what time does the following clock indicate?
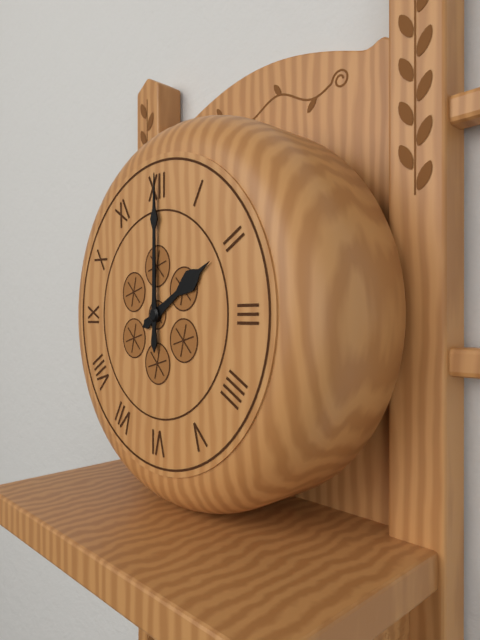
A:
2,00
